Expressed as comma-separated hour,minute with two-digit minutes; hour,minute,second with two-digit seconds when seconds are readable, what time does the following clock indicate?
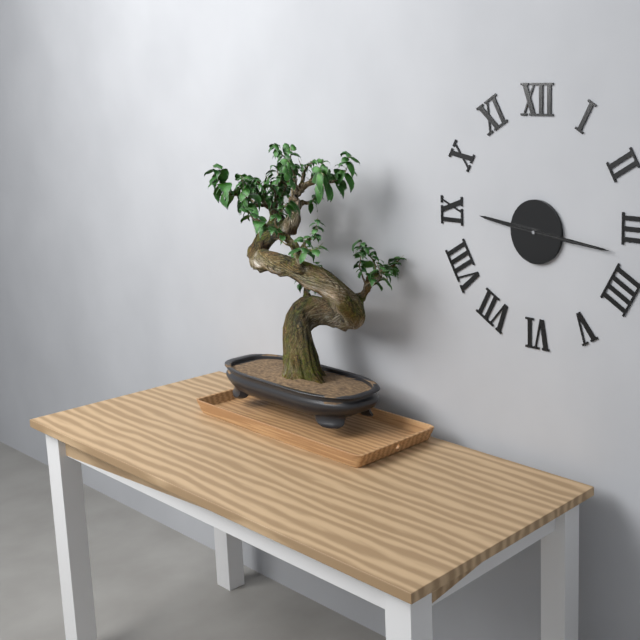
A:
9,16,16
